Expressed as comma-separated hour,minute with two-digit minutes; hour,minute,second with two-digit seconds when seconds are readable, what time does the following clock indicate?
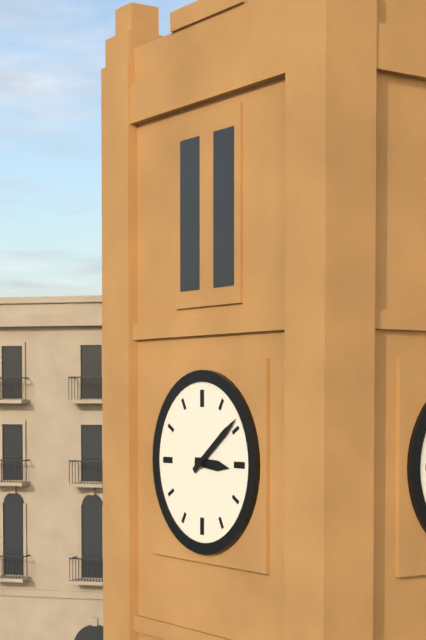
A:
3,09
